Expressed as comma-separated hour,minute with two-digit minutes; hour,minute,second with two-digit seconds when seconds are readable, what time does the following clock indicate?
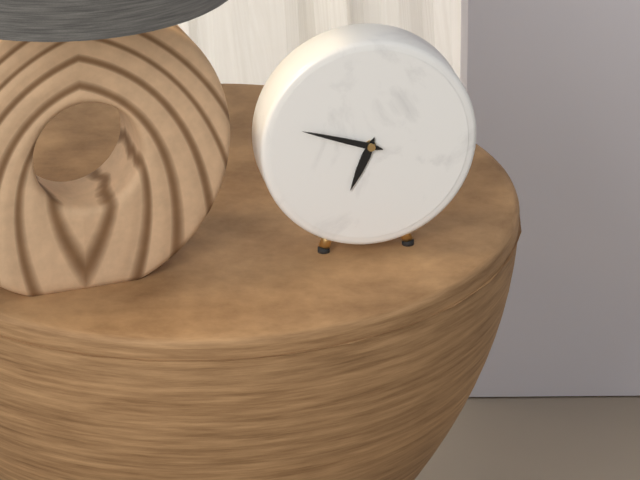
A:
6,48
